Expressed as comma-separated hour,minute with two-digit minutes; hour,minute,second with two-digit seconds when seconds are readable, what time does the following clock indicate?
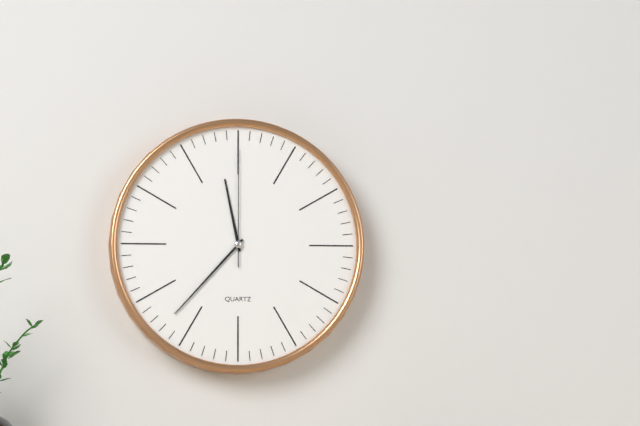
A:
11,37,00
